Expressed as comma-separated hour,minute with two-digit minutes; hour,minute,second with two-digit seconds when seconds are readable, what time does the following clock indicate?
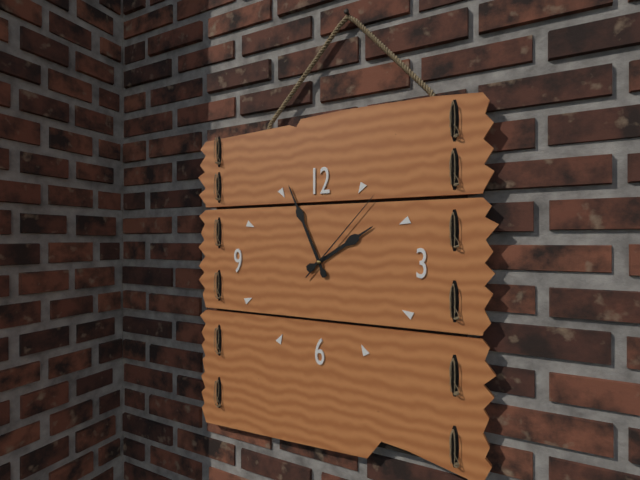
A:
1,56,07
